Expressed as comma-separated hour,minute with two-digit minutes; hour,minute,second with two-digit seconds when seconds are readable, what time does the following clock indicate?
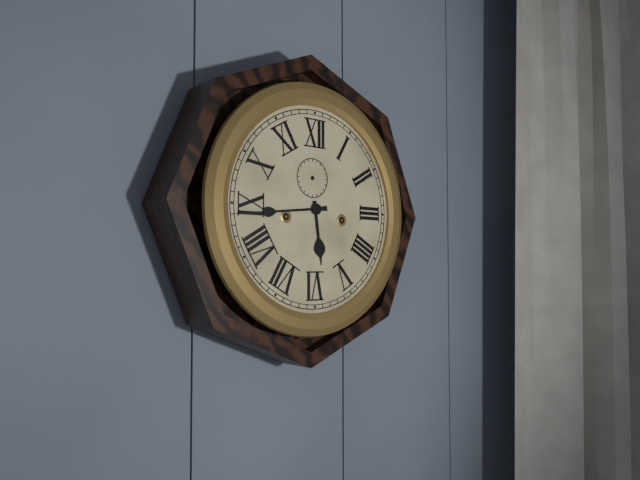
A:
5,44
